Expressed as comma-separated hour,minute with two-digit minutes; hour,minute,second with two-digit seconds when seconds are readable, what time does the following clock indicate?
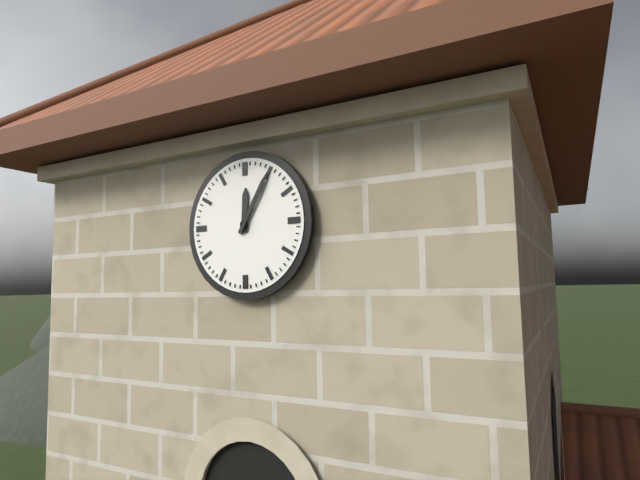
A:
12,05
